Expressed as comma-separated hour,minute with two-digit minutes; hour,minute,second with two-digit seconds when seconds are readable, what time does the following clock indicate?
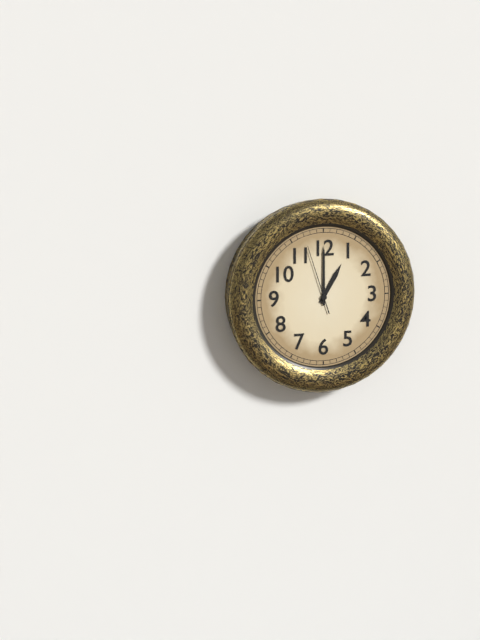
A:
1,00,57
